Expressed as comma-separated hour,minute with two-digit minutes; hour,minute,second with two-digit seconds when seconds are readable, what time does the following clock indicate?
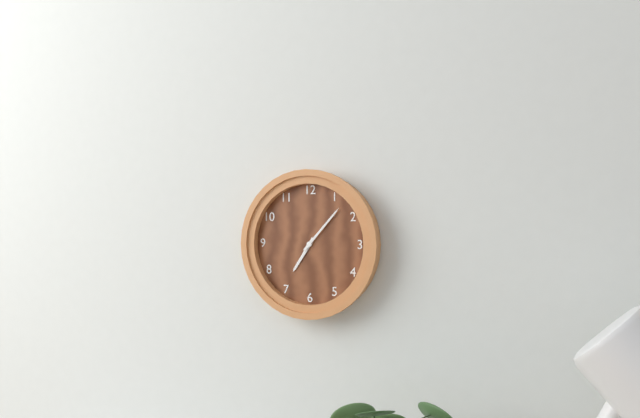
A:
7,07
